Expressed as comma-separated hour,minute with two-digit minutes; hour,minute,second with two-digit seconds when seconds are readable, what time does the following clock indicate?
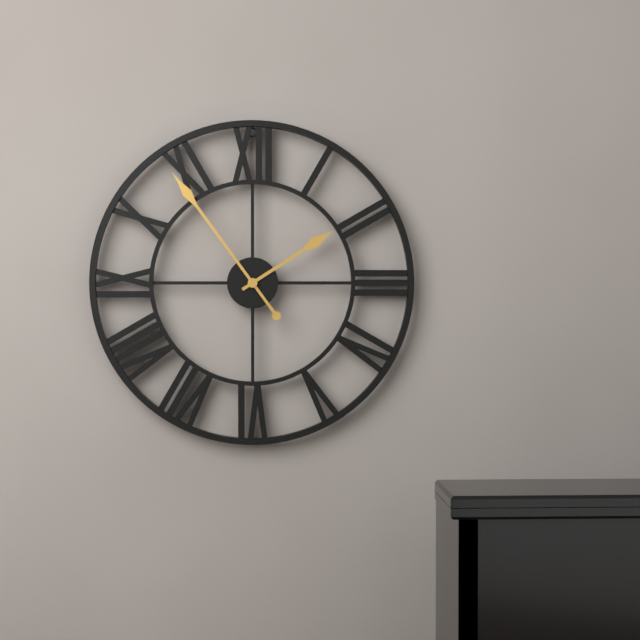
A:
1,54
